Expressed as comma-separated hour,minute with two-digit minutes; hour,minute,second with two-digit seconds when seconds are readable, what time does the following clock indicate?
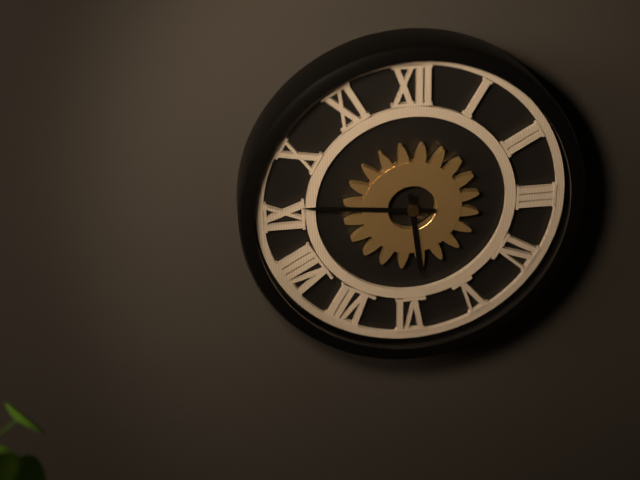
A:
5,46
